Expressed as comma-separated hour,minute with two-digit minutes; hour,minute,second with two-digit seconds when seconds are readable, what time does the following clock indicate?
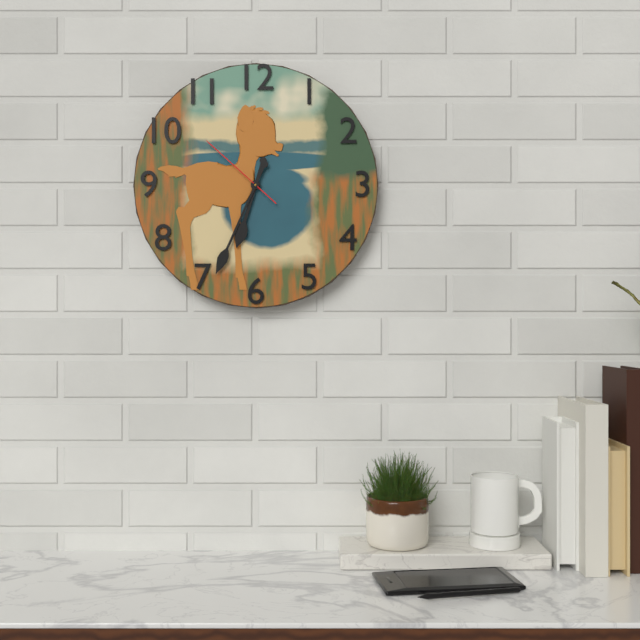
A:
6,34,52
